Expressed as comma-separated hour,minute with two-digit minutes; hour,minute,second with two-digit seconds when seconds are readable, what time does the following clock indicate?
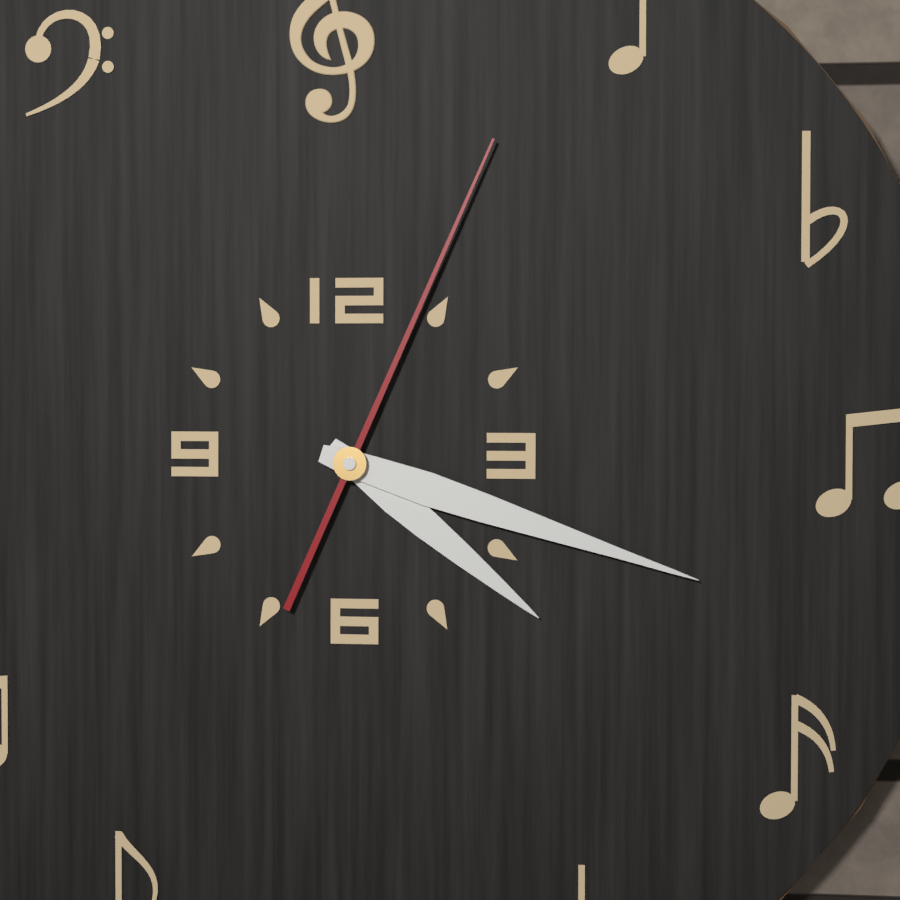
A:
4,18,04
